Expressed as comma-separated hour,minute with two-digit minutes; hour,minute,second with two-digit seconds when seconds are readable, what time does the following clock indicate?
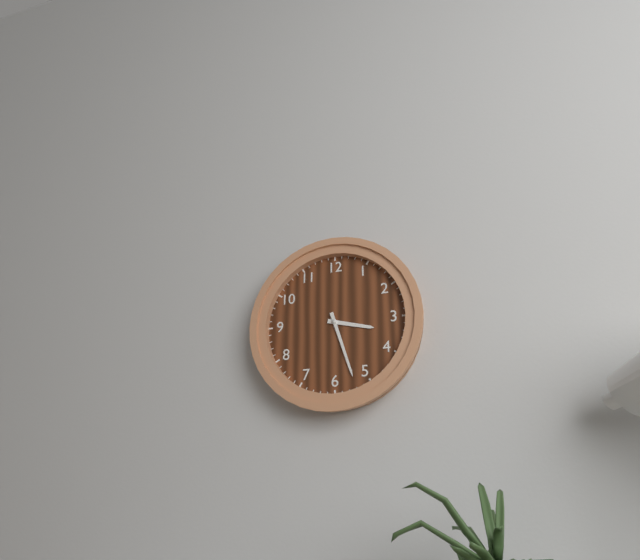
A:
3,27
